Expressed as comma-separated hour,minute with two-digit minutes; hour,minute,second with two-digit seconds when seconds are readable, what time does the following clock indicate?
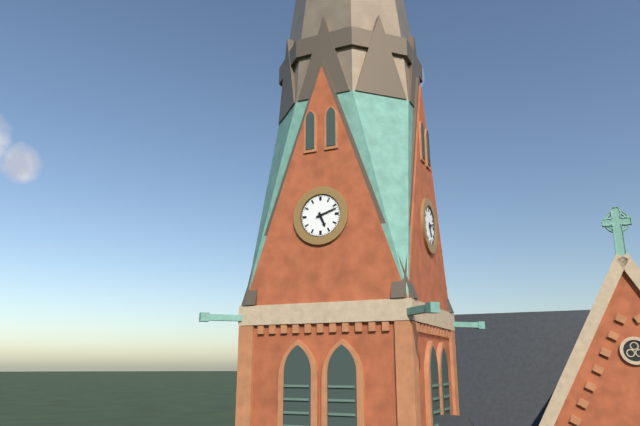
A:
5,12
